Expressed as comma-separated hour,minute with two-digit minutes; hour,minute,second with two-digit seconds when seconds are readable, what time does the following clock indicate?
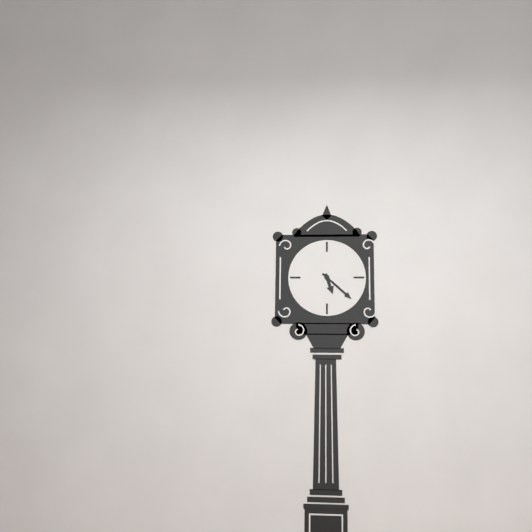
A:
5,22
